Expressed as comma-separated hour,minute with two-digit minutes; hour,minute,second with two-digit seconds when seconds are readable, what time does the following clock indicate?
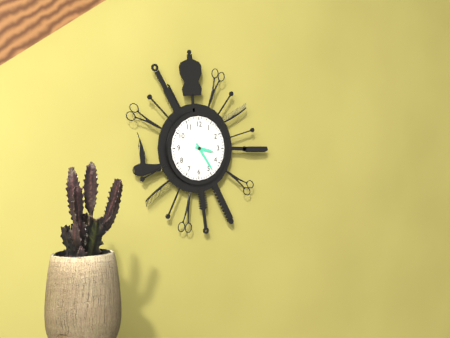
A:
3,24
